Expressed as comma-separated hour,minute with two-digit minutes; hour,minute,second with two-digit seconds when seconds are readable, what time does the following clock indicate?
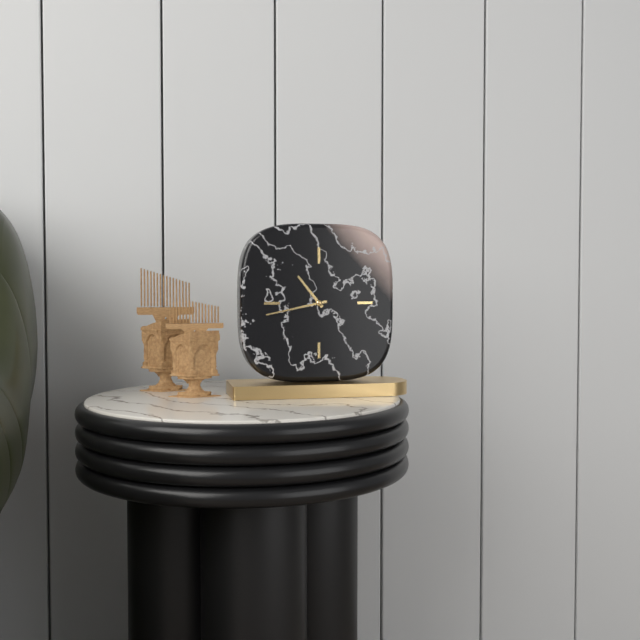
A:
10,43
